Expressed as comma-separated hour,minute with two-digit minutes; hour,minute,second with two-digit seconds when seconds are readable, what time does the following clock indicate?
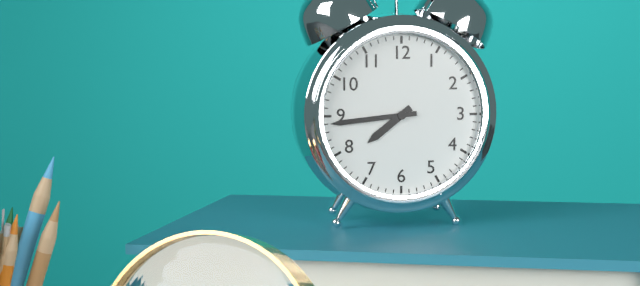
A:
7,44
